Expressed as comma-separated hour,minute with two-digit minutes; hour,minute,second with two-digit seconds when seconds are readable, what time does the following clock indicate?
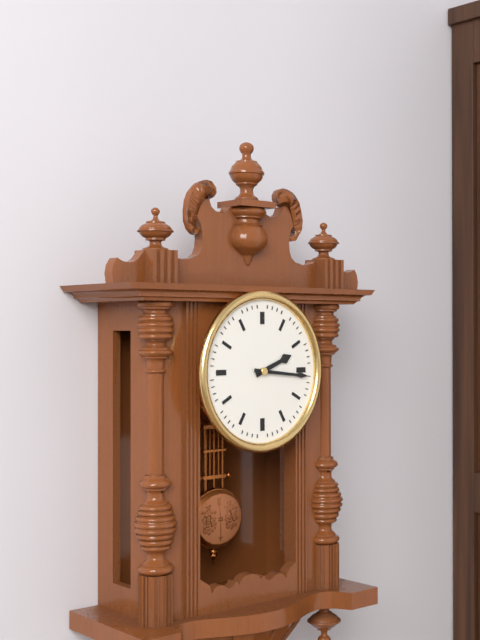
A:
2,16
